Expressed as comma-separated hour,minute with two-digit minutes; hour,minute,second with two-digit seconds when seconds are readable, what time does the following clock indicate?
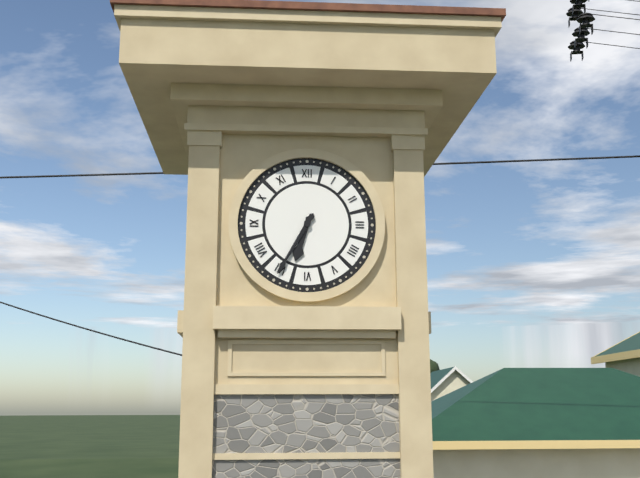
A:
6,35
